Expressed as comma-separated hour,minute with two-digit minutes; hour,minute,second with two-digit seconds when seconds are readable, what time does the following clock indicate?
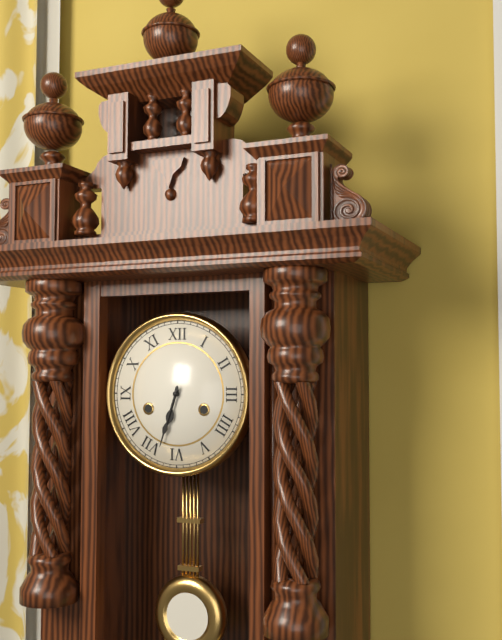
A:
6,33
